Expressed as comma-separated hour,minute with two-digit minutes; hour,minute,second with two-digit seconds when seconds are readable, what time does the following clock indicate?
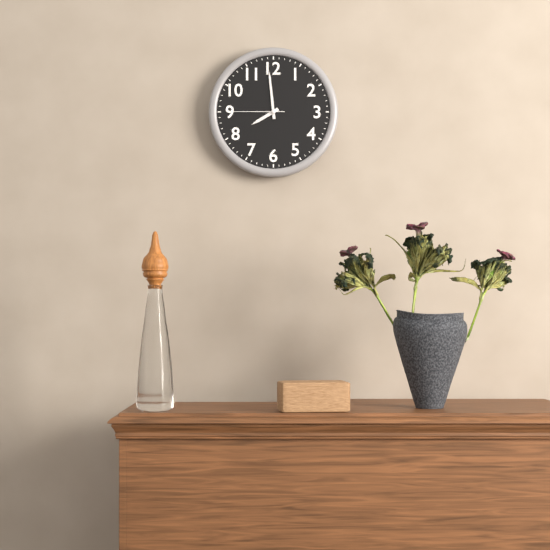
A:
7,59,45
